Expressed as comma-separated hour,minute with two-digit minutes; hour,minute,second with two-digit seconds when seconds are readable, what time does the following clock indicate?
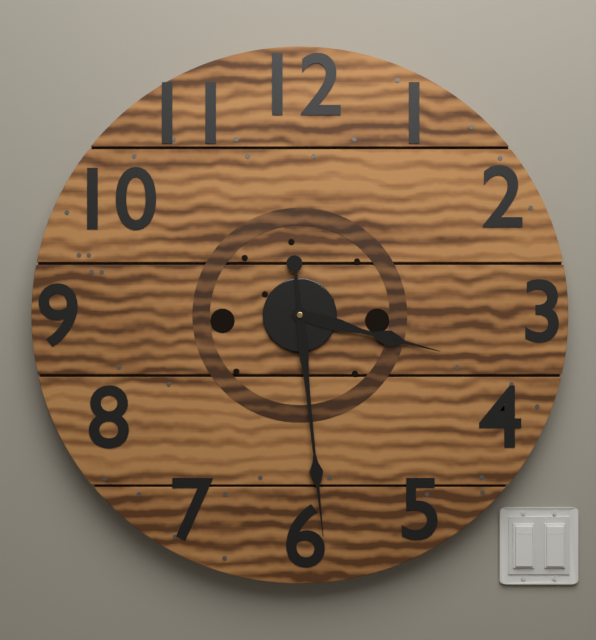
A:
3,29
